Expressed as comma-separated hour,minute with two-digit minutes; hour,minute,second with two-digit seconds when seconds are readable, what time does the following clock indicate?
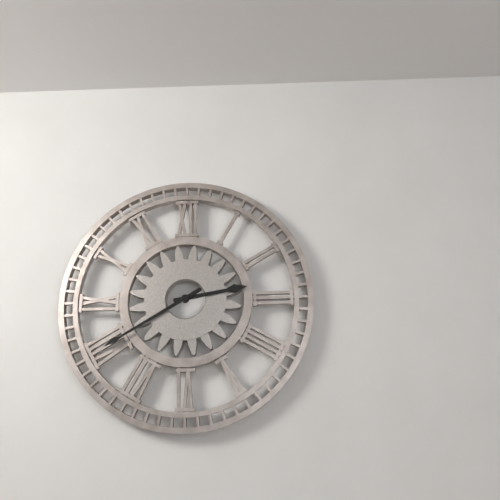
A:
2,40
